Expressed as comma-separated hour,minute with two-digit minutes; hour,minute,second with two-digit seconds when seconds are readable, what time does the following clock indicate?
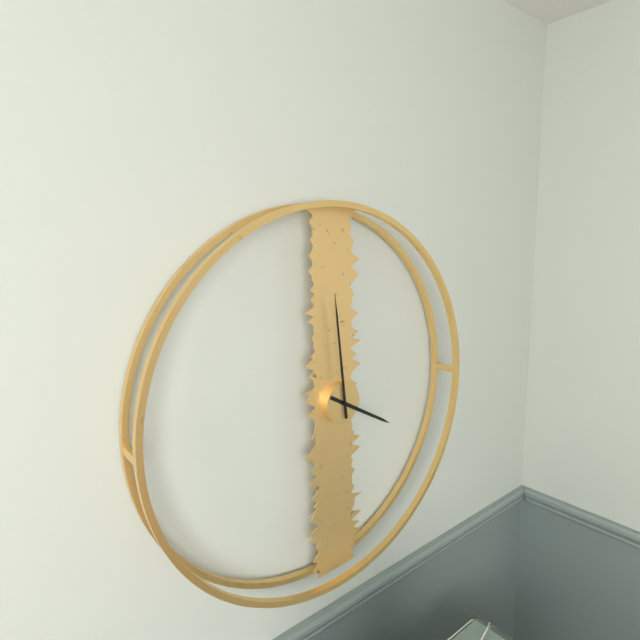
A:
3,59
